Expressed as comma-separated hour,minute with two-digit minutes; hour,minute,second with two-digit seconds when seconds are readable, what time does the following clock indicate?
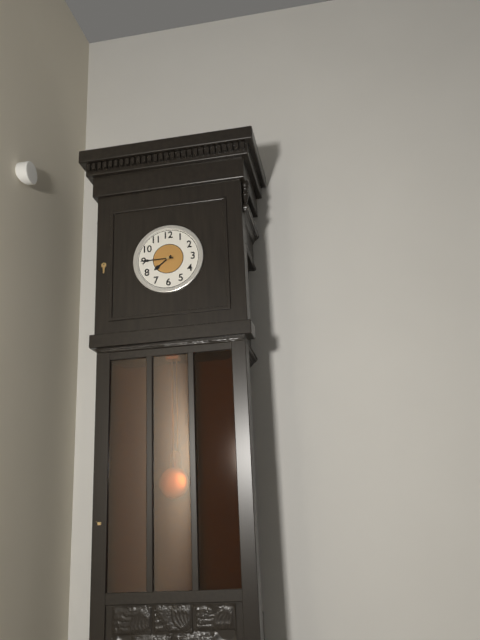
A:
7,45
